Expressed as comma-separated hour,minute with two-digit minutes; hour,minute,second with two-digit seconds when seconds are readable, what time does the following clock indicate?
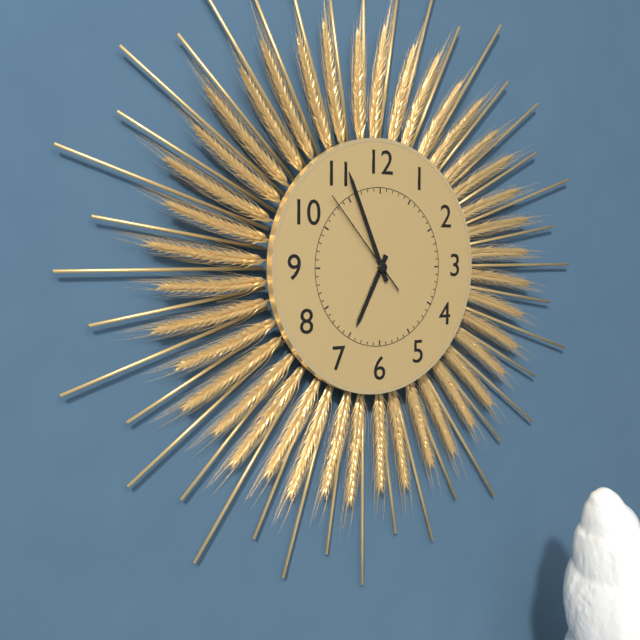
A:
6,56,53
